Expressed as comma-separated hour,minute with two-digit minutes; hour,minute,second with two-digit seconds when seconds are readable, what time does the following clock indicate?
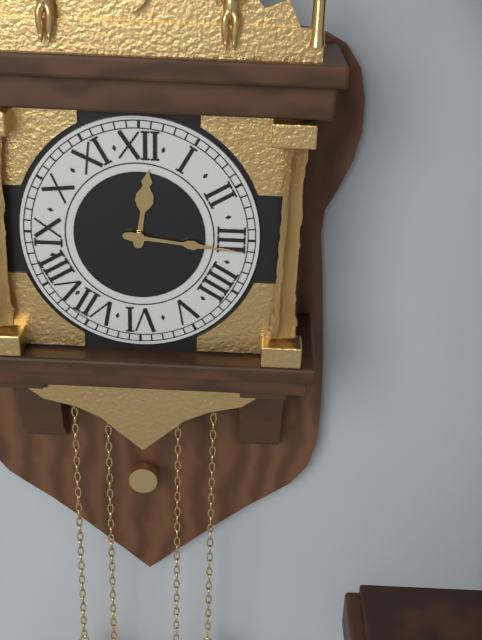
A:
12,16
